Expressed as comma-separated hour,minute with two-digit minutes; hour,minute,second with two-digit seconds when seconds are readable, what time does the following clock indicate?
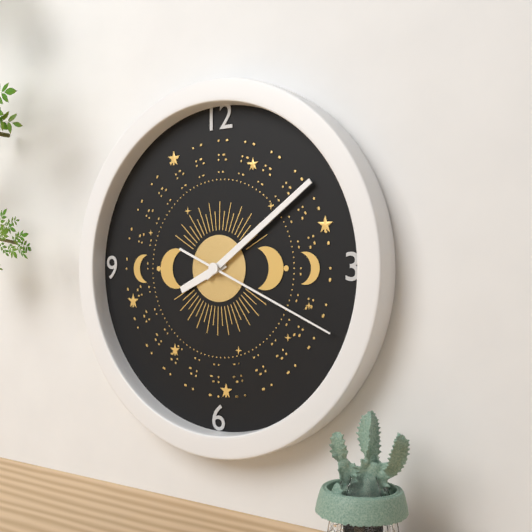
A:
8,09,19
